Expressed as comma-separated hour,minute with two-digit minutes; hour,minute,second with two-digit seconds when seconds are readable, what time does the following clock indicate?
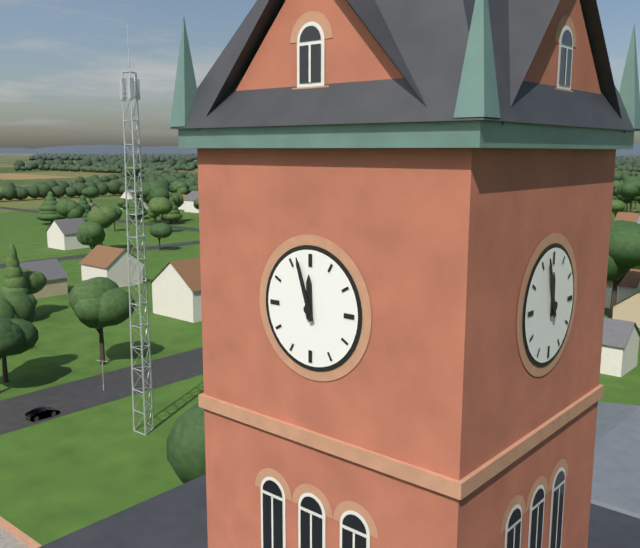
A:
11,57
